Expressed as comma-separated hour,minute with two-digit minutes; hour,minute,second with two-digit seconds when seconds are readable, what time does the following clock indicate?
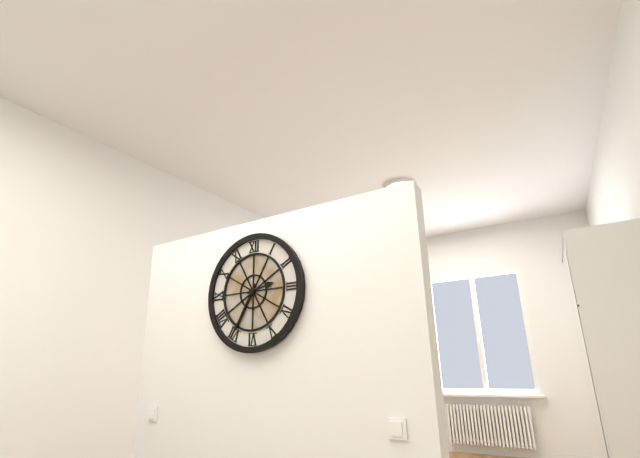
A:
2,35
